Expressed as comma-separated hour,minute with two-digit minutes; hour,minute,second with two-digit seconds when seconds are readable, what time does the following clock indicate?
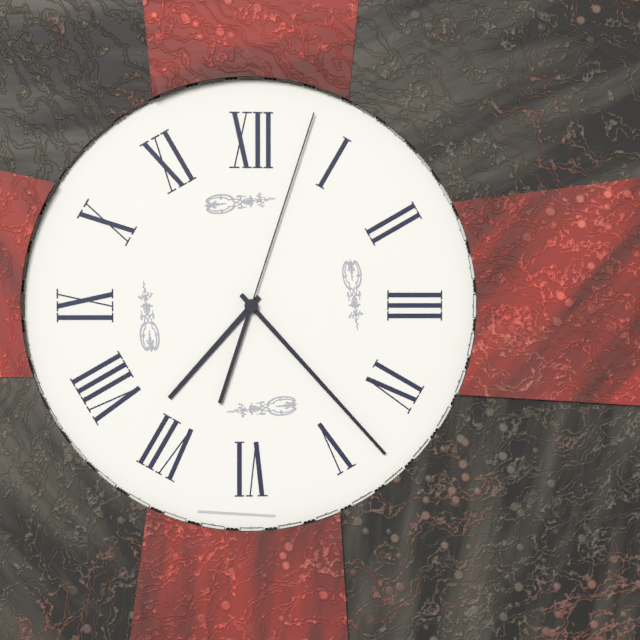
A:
7,23,03
